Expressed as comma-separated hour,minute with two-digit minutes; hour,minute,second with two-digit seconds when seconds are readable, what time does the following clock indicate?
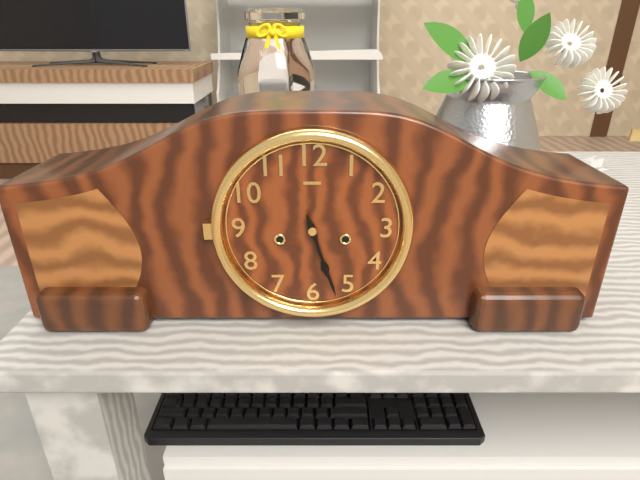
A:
5,27
